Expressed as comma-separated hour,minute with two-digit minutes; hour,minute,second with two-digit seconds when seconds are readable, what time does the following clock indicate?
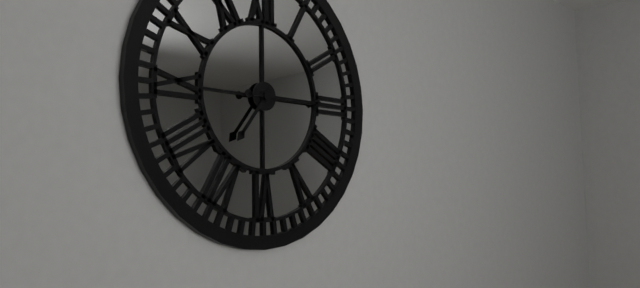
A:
7,15
